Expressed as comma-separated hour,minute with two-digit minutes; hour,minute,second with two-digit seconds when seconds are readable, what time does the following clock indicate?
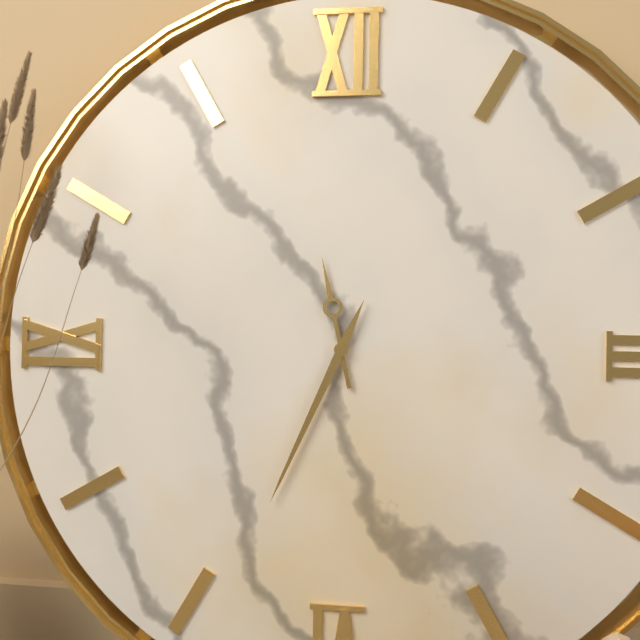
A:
11,34
